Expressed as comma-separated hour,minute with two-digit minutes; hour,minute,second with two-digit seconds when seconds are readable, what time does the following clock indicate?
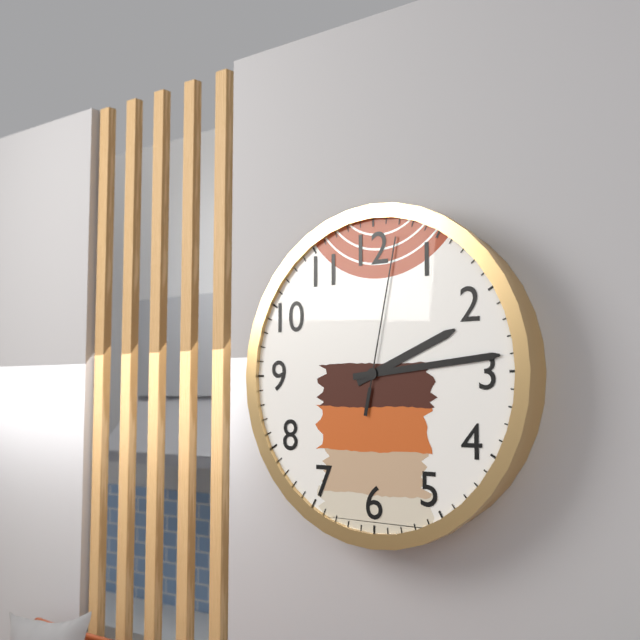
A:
2,14,02
